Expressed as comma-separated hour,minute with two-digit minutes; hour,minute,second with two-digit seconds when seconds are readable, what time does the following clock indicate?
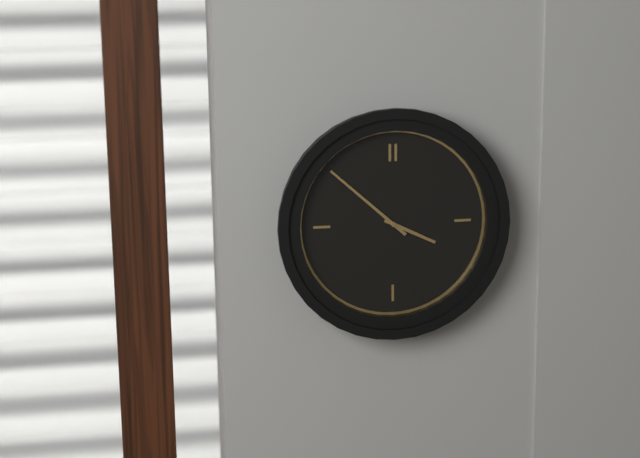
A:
3,52
